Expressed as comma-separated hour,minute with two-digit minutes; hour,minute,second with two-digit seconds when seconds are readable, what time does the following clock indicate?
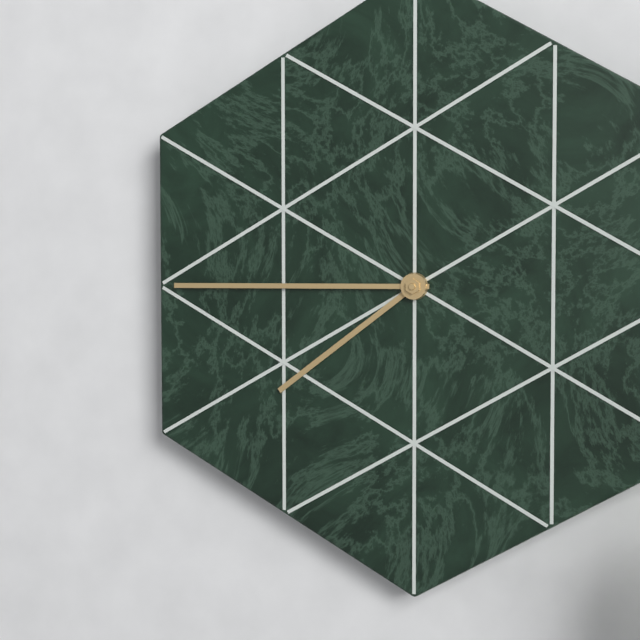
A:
7,45
